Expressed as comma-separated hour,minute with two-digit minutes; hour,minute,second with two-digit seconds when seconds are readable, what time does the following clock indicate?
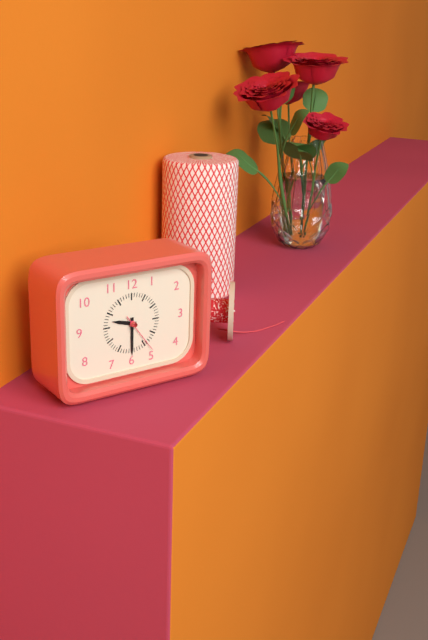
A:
9,30
